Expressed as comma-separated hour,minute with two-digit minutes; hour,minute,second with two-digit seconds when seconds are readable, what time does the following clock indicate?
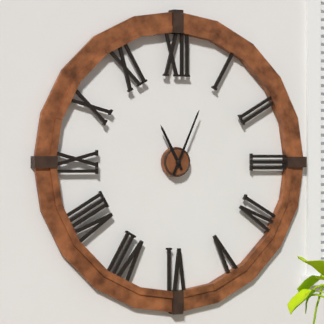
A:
11,04
